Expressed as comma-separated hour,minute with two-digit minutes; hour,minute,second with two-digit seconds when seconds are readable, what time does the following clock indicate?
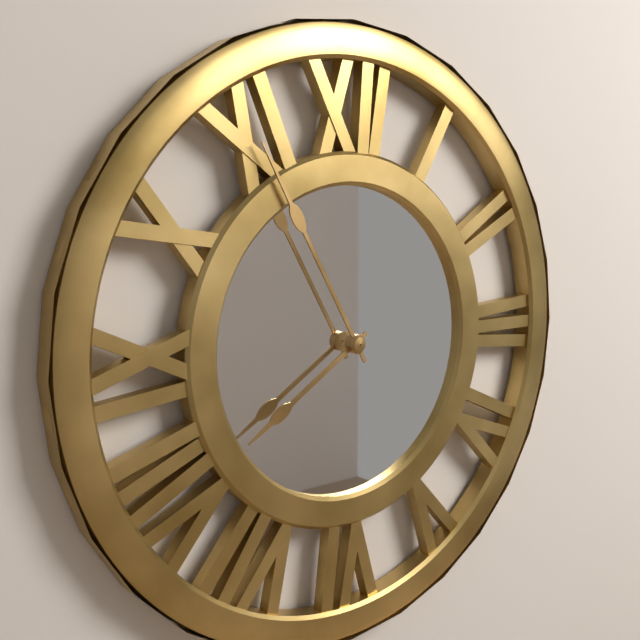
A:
7,55
